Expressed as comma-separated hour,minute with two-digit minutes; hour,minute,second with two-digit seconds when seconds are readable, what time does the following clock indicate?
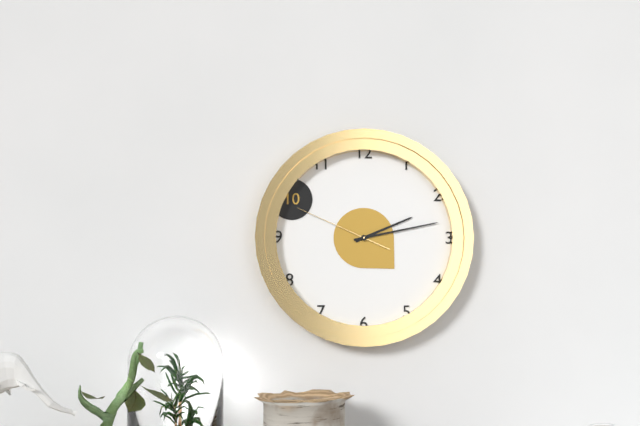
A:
2,13,49
